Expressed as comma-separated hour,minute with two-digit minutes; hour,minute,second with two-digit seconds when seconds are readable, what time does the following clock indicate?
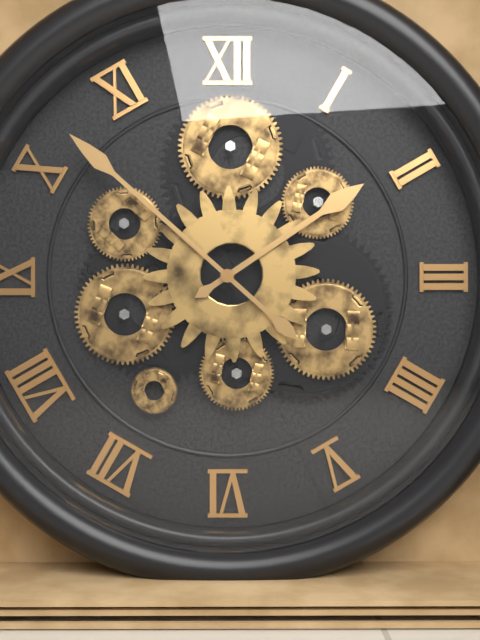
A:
1,52
